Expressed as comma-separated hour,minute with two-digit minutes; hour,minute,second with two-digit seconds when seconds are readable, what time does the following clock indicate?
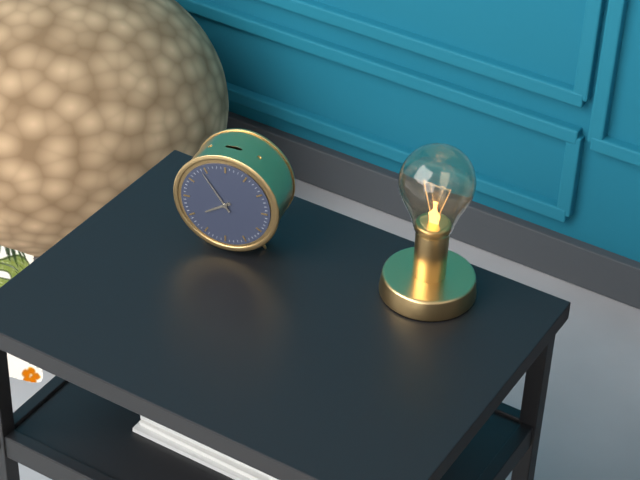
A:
7,54
